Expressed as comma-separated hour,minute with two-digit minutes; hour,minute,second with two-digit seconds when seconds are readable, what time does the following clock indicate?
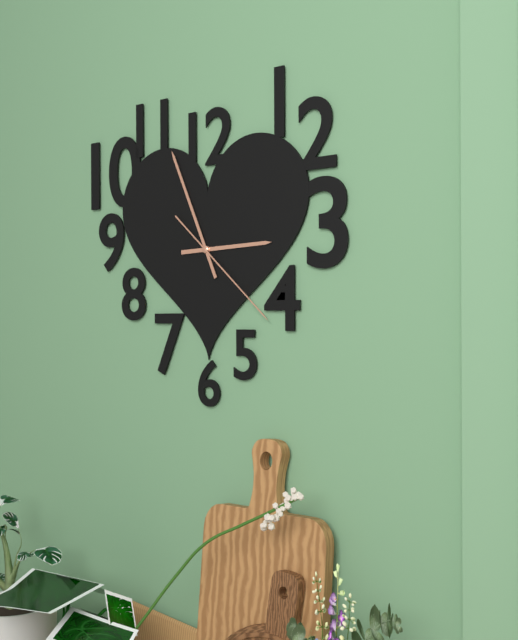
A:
2,56,22
